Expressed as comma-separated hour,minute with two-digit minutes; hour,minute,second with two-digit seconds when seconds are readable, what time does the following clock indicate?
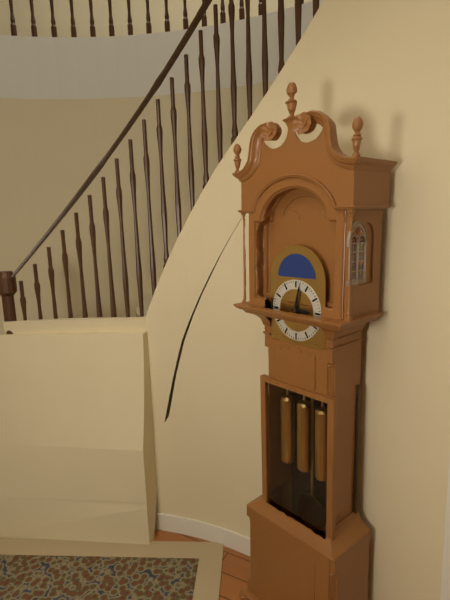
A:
3,02
